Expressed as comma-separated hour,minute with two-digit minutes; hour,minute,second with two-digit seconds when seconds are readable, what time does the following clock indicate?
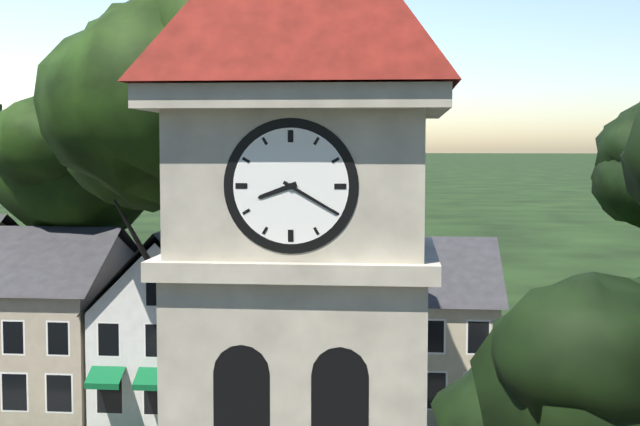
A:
8,20
